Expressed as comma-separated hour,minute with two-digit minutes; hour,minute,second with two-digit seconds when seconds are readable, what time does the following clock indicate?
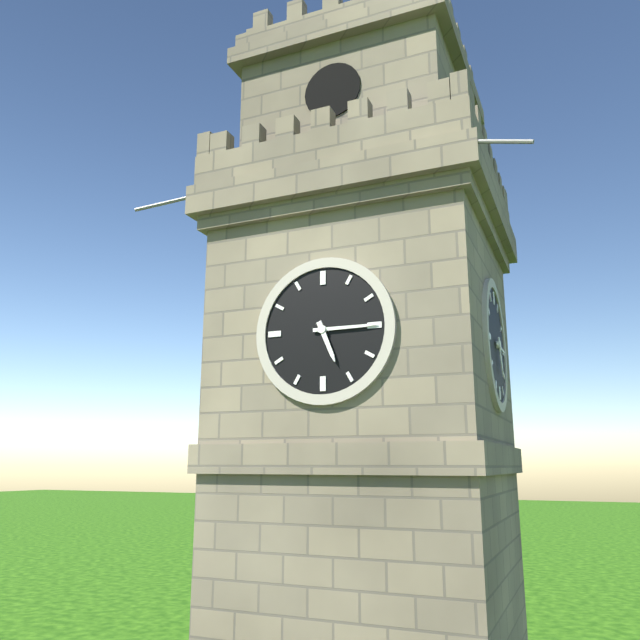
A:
5,15
